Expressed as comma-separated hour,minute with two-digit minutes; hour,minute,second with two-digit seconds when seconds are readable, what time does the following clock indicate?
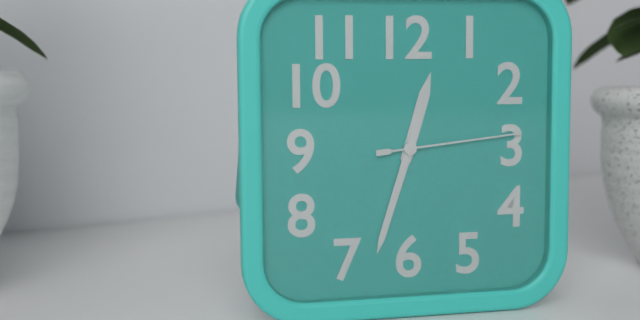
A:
12,33,14
